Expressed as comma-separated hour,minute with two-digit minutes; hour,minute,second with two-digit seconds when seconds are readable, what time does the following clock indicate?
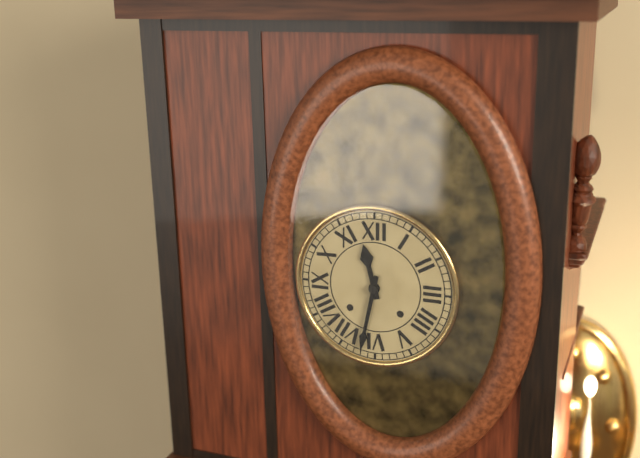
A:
11,32
